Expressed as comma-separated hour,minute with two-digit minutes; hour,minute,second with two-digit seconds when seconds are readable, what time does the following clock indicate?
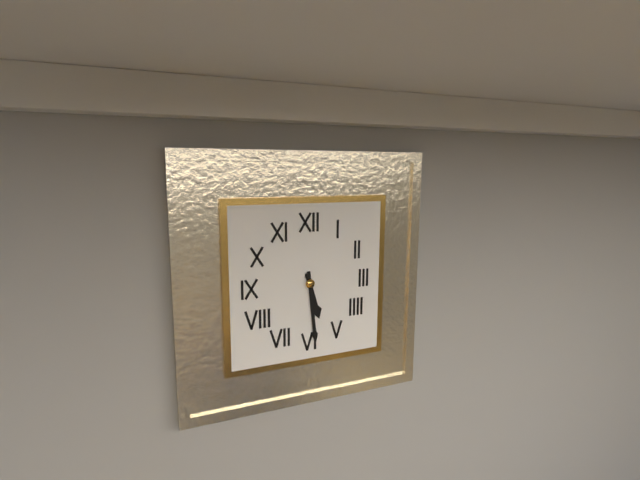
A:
5,29
